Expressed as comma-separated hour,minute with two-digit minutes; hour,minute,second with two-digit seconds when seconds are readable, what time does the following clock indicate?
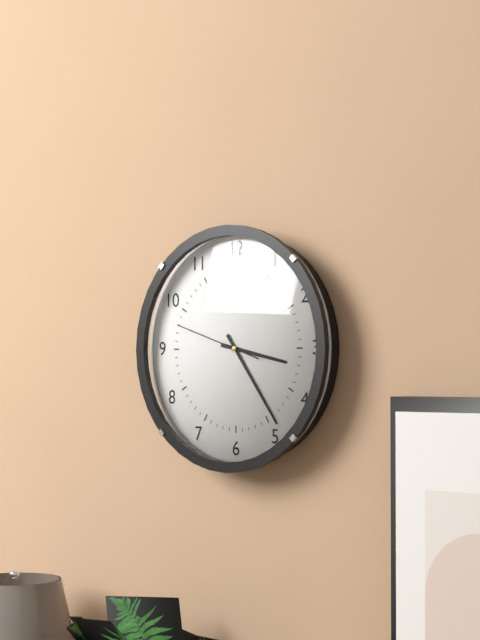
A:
3,24,48
